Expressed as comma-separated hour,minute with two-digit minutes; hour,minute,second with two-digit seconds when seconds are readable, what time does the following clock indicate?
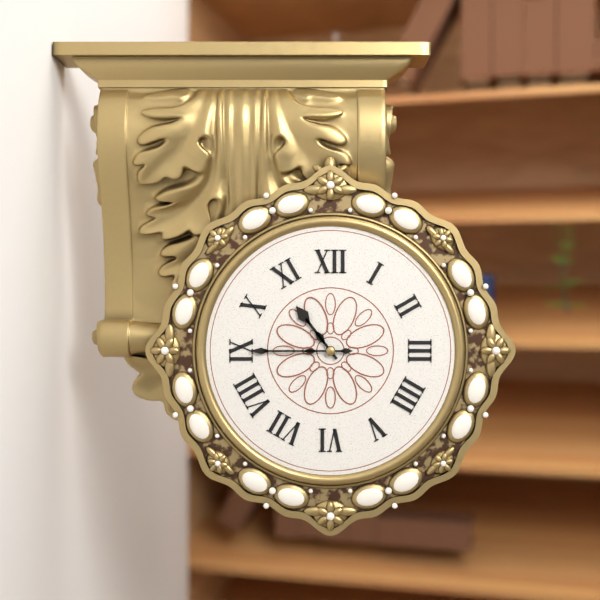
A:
10,45
